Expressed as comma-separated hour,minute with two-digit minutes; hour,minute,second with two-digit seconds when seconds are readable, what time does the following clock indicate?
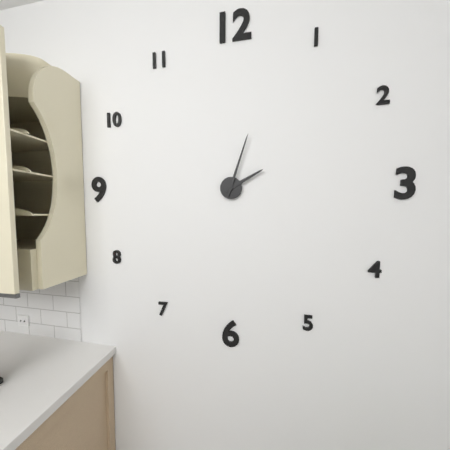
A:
2,03
